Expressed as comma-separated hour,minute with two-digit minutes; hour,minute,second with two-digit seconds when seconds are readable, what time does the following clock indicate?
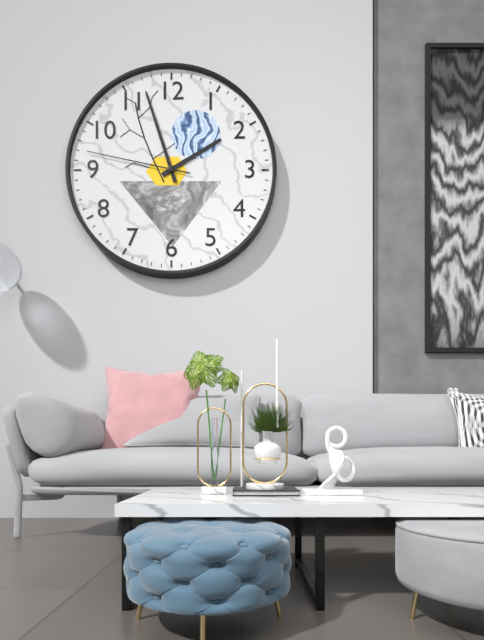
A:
1,57,47
